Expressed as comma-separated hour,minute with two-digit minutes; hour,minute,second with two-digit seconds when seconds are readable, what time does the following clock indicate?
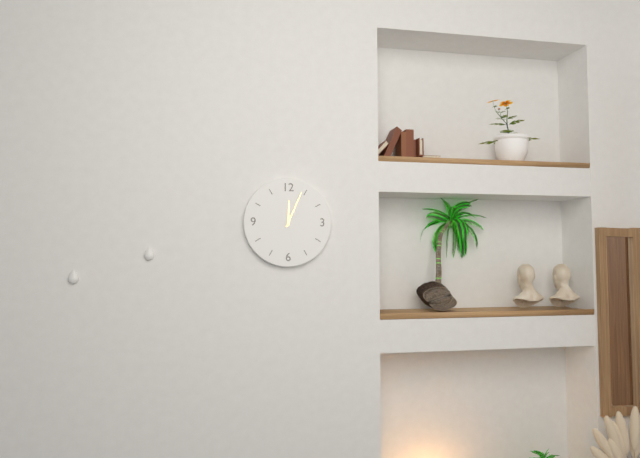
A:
12,04
